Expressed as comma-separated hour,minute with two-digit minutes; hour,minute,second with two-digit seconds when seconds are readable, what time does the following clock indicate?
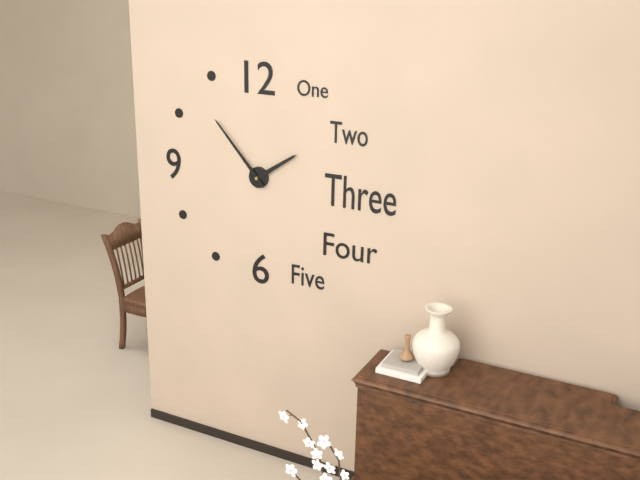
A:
1,53
